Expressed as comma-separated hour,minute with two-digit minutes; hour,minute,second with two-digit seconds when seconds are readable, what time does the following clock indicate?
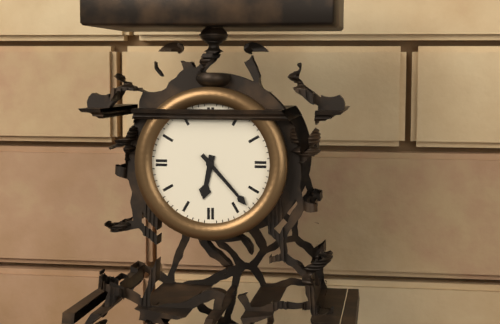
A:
6,23
